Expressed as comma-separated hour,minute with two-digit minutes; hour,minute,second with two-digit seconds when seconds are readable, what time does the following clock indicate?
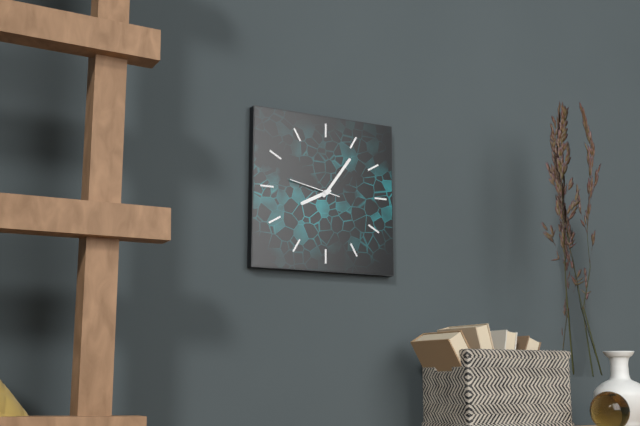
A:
8,06
